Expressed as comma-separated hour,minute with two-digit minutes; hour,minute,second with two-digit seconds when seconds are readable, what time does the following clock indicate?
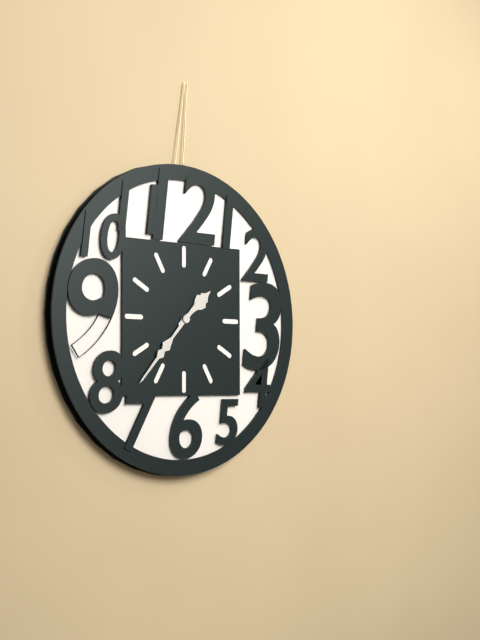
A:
1,37
